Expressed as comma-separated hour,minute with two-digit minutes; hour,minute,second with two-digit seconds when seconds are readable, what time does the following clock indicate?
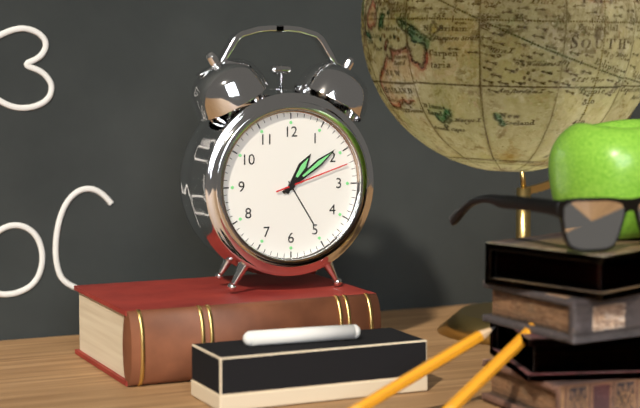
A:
1,09,12
